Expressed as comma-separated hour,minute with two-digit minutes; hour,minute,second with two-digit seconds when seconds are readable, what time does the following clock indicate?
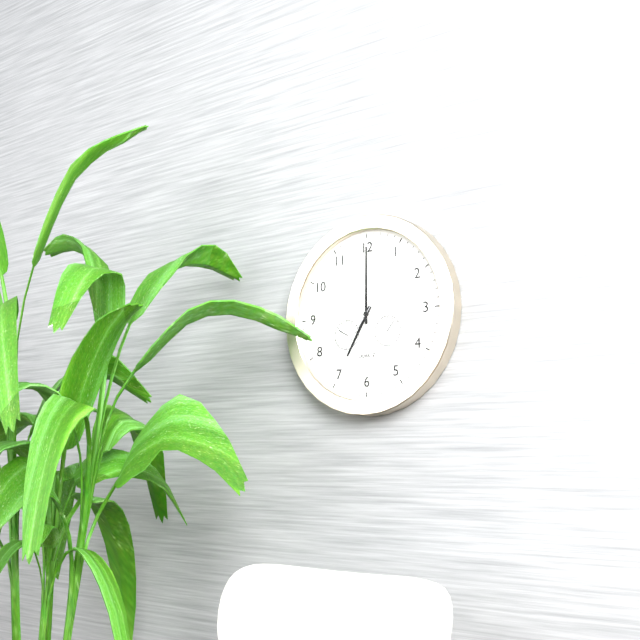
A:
7,00,36
